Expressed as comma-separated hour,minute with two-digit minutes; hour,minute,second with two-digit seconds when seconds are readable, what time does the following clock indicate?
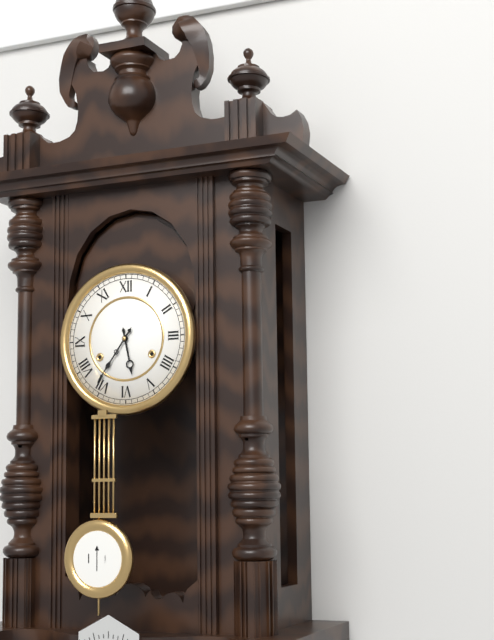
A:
5,36
